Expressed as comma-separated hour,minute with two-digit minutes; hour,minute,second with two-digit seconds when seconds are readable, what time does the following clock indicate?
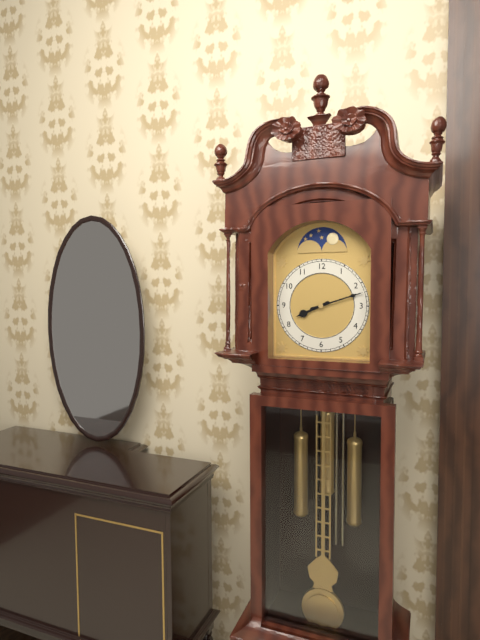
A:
8,12
